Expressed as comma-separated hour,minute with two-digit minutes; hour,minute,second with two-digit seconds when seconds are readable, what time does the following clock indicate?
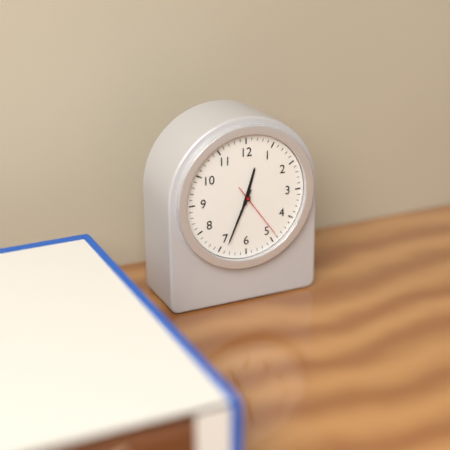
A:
12,34,24
